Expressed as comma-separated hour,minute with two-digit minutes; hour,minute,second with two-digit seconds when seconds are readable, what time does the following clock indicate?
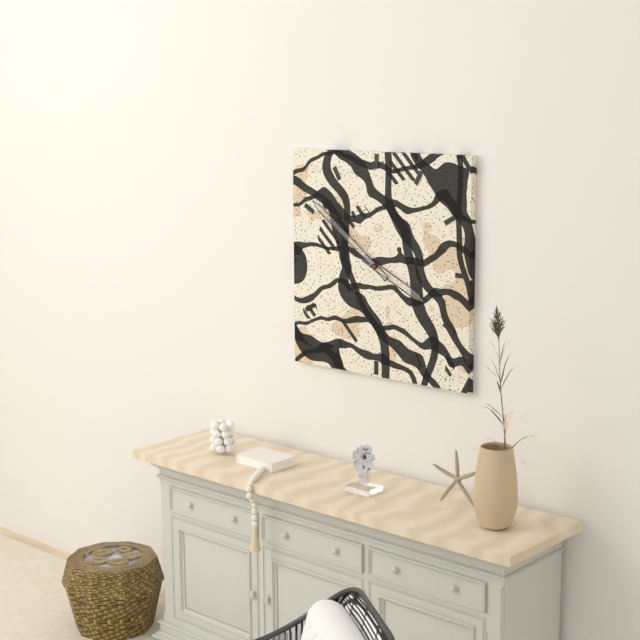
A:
3,51
